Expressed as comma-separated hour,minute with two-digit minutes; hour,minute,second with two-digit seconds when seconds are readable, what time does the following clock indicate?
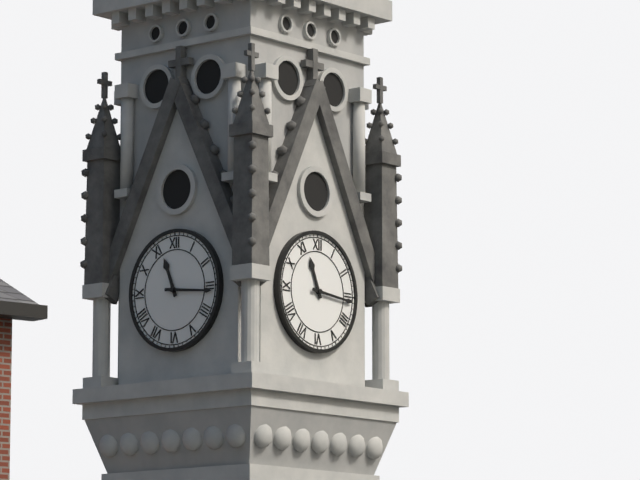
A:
11,16
